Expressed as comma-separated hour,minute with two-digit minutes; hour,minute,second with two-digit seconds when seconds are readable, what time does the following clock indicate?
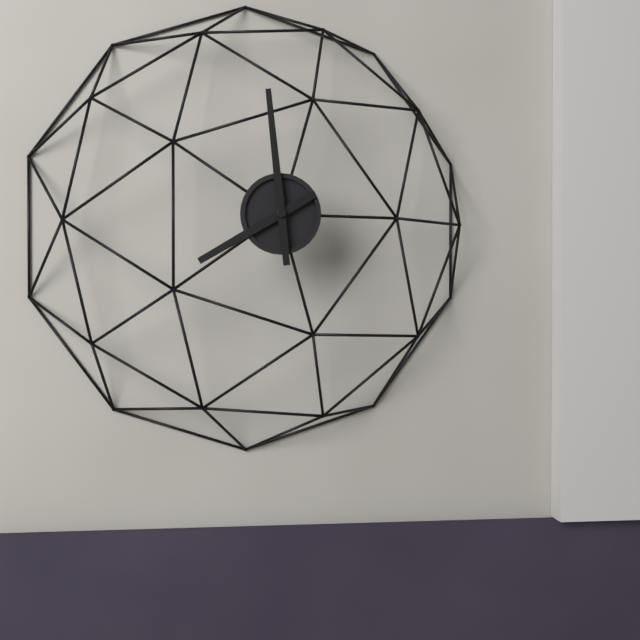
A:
7,59
